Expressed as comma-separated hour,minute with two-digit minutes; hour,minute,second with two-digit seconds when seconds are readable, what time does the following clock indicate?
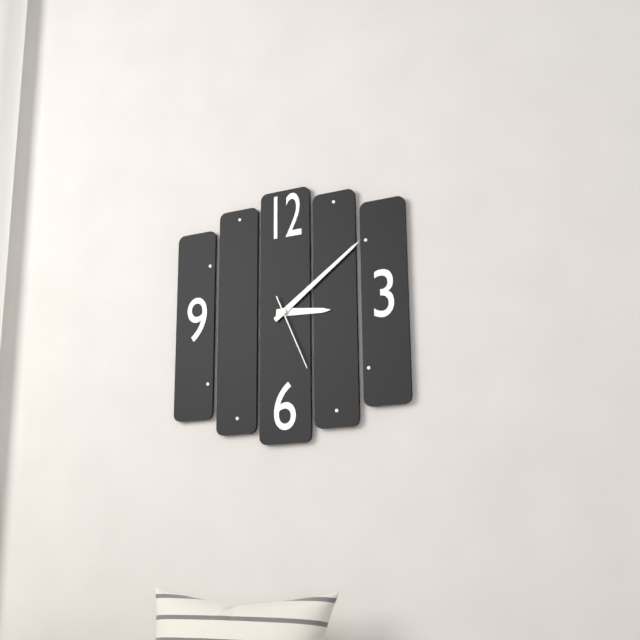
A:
3,09,26
